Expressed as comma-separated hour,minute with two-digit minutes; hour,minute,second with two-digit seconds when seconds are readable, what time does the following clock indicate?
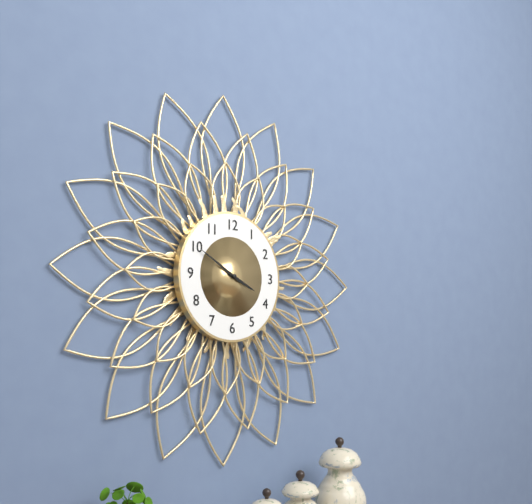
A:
3,50
